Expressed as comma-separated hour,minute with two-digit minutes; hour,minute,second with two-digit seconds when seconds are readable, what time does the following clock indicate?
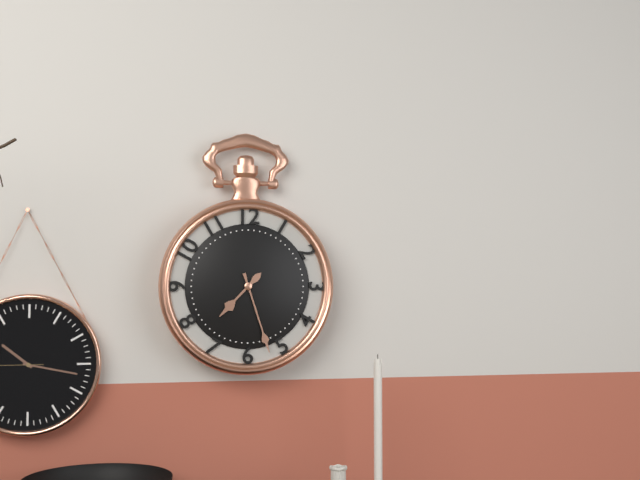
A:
7,27
